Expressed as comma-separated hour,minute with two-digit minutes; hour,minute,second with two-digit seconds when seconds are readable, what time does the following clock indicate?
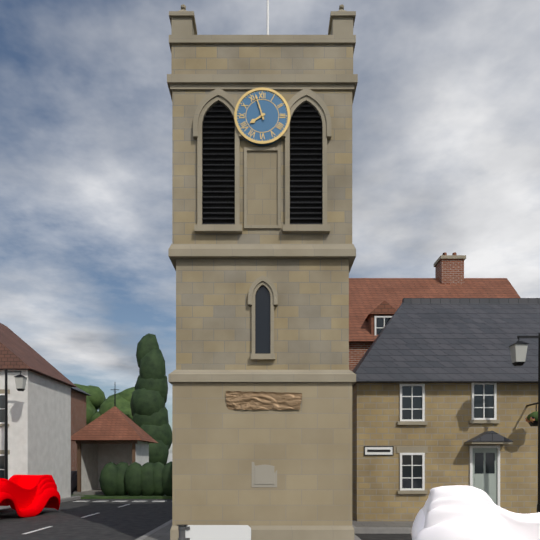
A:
7,57
